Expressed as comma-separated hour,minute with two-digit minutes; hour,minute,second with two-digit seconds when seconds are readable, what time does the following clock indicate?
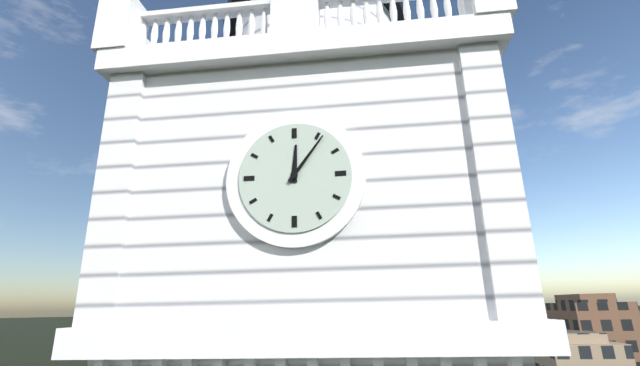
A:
12,06
